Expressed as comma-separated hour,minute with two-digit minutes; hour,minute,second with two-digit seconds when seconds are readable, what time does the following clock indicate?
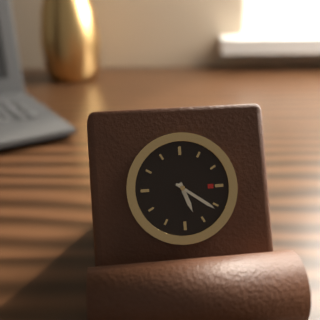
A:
5,21
